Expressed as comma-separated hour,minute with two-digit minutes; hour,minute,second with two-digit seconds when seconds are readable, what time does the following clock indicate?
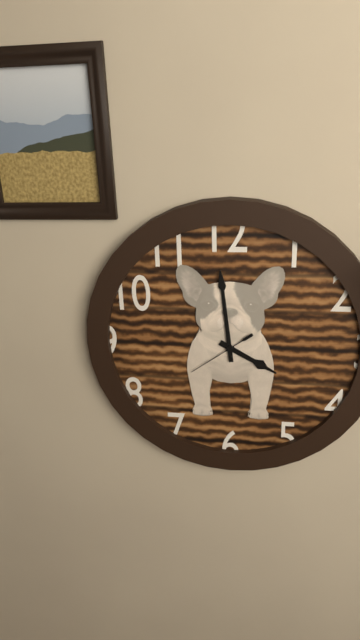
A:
3,59,39
